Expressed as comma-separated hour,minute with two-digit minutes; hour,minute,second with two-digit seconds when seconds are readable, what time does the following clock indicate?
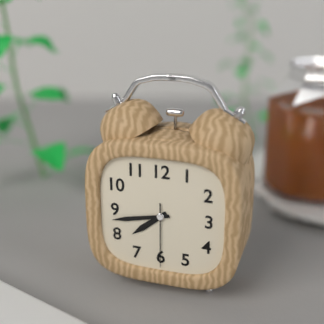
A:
7,43,30
